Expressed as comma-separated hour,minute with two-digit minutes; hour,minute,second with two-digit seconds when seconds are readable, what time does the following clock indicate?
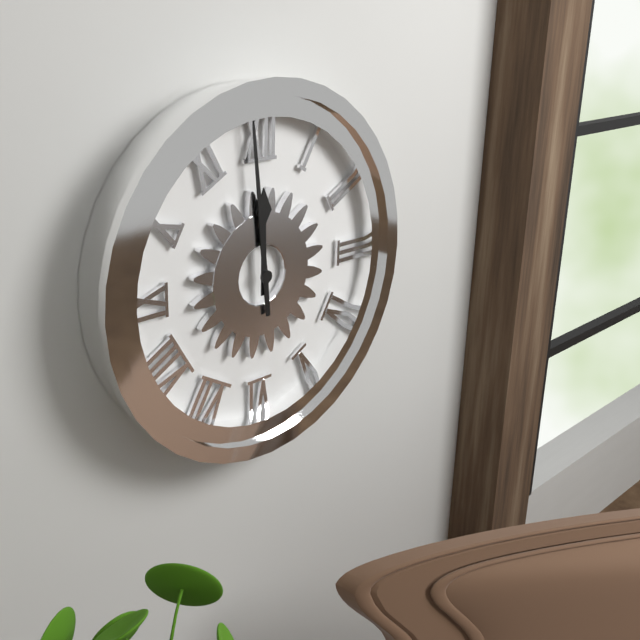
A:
11,59
